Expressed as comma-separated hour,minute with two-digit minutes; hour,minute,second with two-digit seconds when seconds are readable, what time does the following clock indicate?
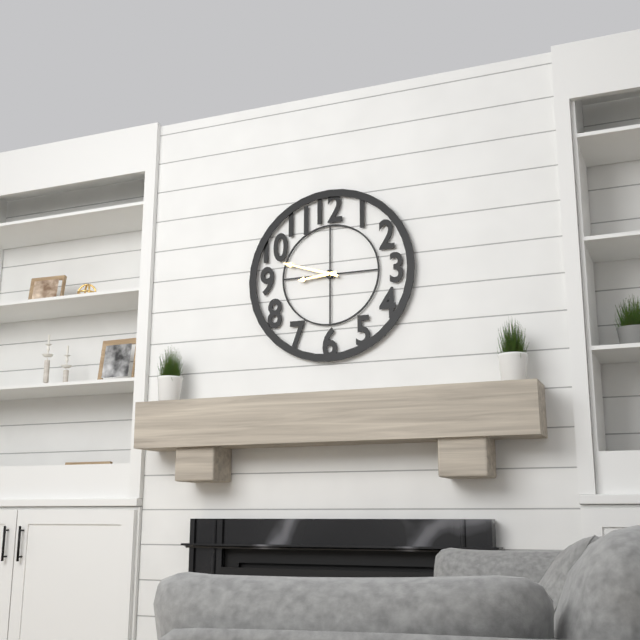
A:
8,48
